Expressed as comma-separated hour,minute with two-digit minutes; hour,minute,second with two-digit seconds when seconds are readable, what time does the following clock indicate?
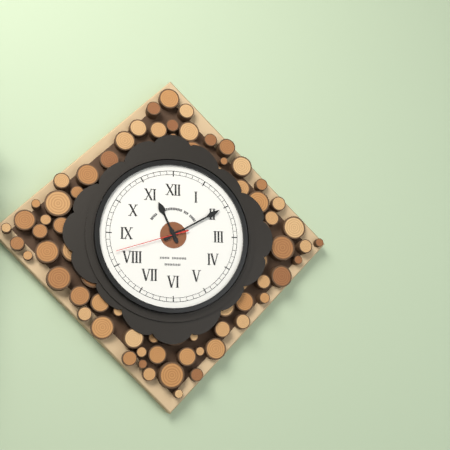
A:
11,10,42
